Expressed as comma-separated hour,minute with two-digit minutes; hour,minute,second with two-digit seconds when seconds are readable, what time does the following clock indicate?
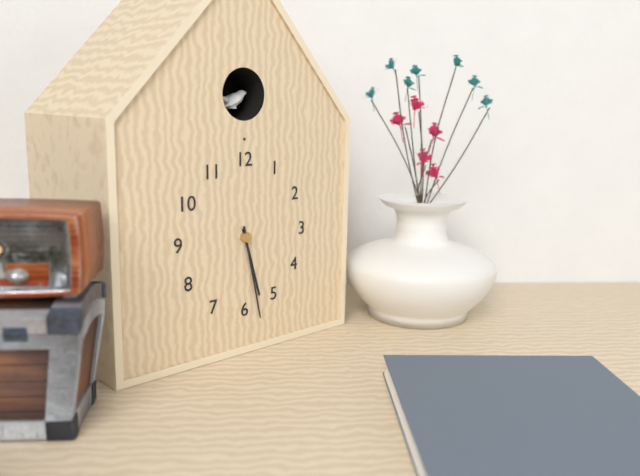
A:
5,28
